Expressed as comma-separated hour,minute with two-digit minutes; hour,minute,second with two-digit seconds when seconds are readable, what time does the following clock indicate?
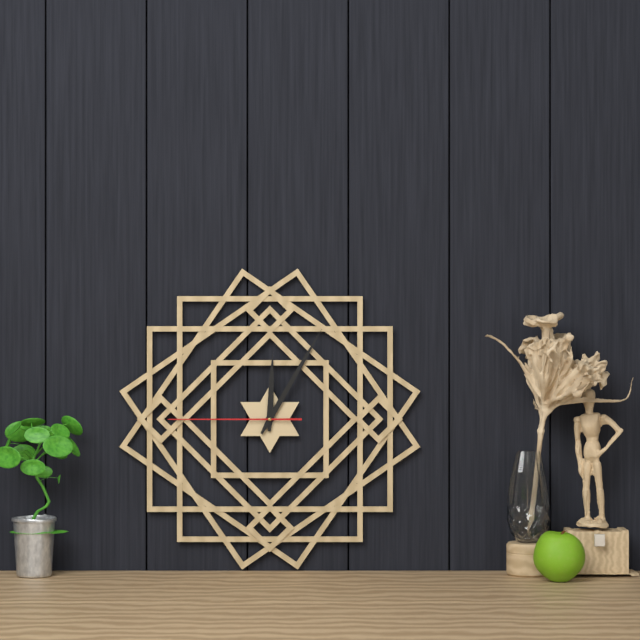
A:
12,05,45
